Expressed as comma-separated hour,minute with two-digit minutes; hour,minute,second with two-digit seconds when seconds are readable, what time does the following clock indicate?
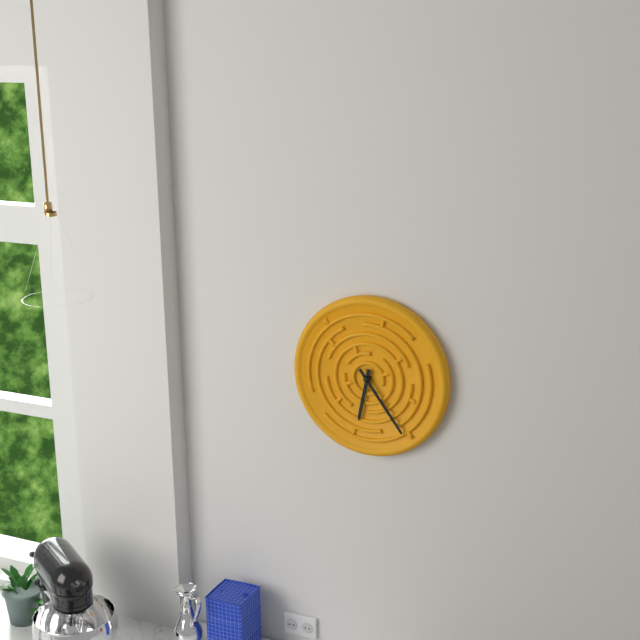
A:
6,24
